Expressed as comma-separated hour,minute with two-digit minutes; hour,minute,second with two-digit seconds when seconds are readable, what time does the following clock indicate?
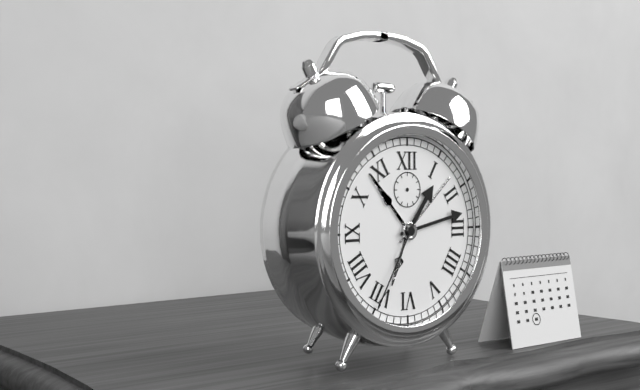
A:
1,13,35
